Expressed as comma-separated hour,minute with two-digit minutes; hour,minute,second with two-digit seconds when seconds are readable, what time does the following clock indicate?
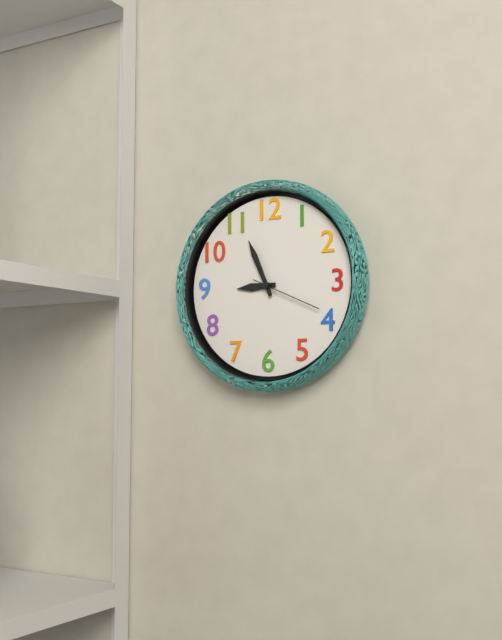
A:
8,56,19
